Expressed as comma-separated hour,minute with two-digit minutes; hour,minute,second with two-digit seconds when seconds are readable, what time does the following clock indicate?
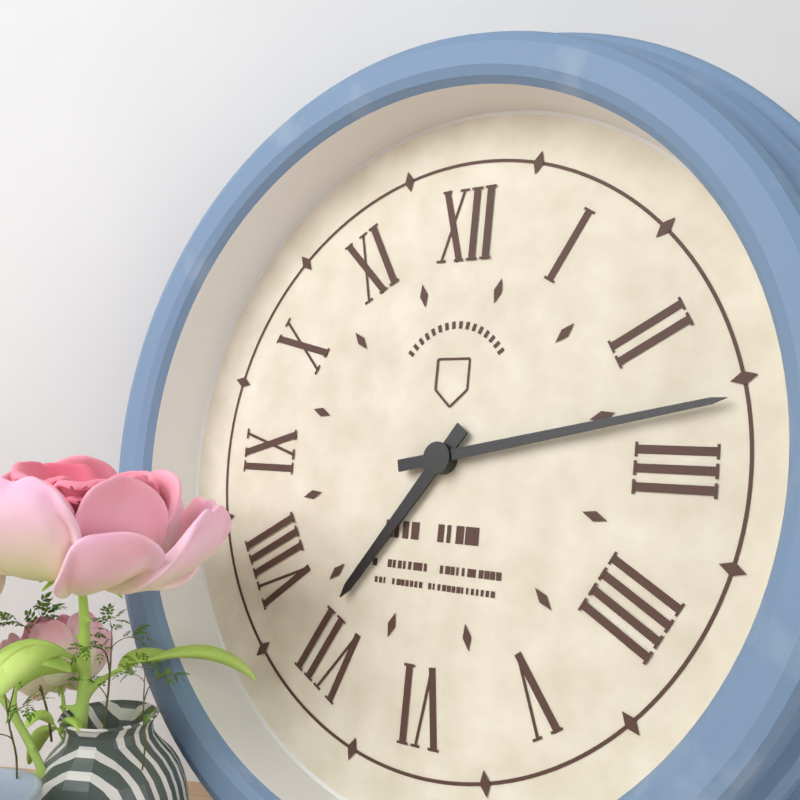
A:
7,13
